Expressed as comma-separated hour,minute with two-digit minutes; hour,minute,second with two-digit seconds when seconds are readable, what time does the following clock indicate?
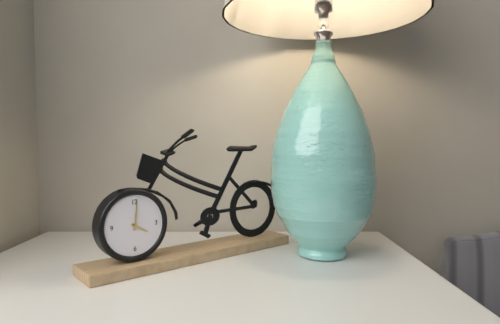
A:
4,01
